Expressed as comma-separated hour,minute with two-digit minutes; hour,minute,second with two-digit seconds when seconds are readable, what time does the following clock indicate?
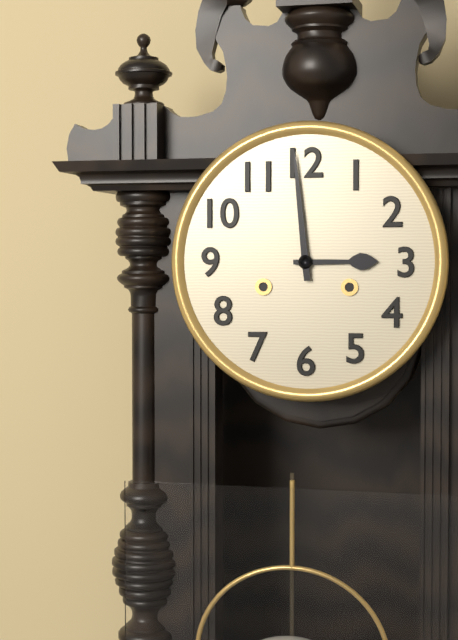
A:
2,59
